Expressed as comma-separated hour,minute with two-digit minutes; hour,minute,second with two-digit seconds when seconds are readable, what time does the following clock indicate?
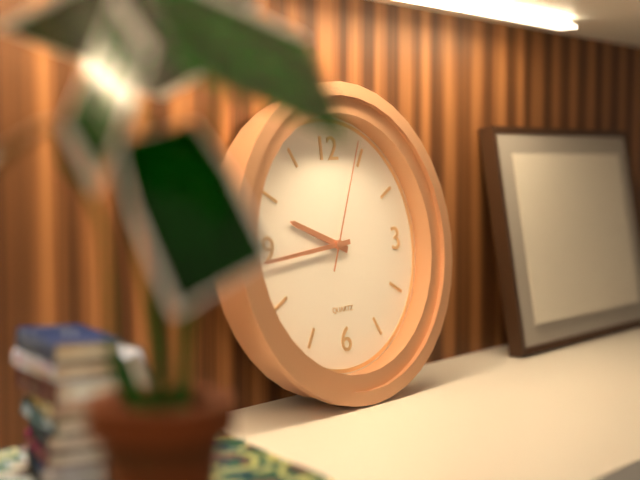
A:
9,44,04
